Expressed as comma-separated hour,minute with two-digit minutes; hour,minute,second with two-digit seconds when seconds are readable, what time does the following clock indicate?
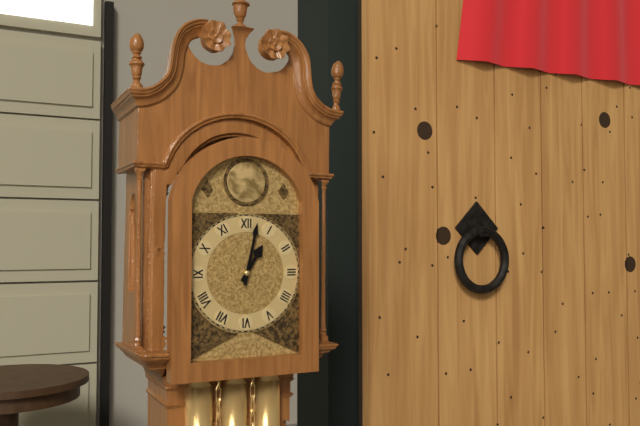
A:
1,02
